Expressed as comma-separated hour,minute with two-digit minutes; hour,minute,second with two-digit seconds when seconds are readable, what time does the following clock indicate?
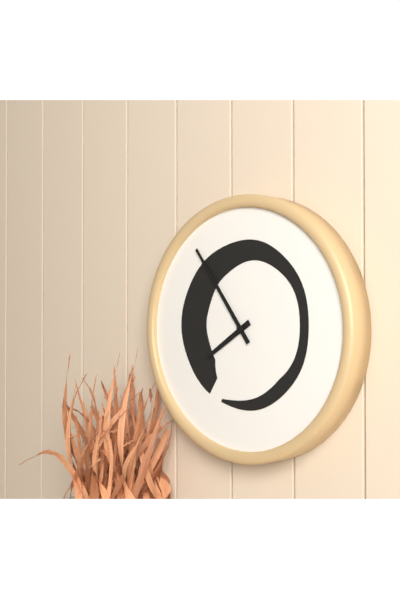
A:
7,54
